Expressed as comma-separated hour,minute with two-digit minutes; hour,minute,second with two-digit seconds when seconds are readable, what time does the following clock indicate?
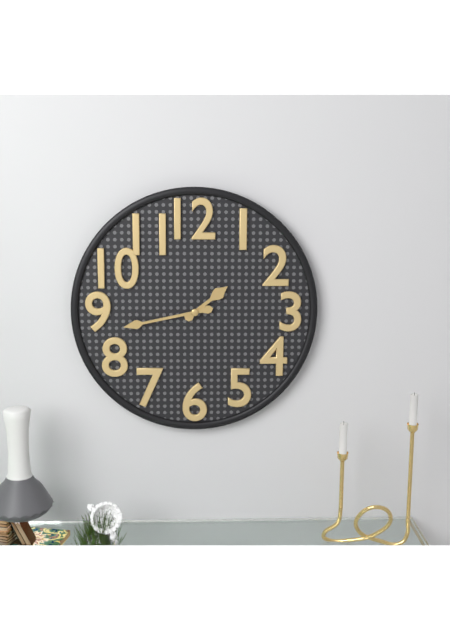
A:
1,43
